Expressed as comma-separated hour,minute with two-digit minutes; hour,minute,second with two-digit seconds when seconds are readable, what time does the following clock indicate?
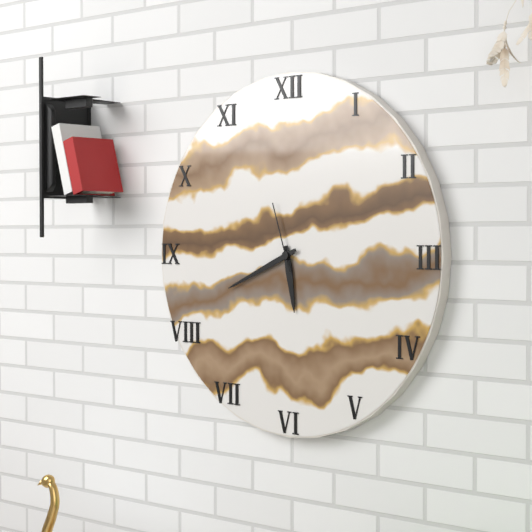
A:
5,41,57
